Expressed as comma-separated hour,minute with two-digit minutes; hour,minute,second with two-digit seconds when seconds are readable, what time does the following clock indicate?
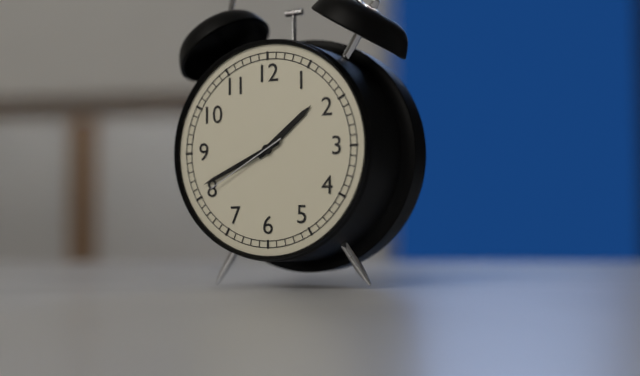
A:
1,41,40
